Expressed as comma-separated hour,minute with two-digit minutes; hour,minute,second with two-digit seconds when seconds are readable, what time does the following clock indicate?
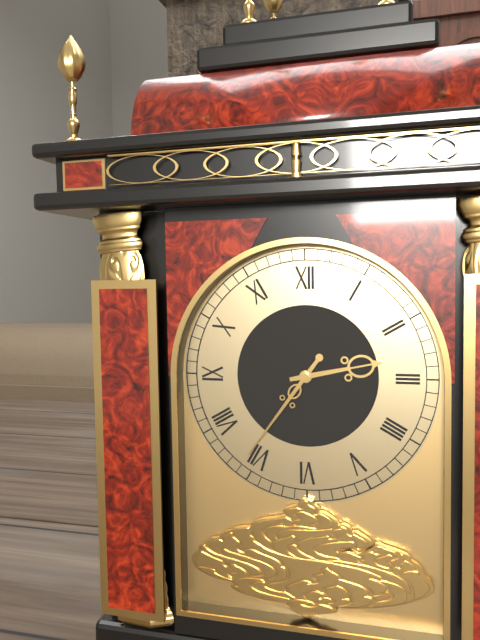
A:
2,36
